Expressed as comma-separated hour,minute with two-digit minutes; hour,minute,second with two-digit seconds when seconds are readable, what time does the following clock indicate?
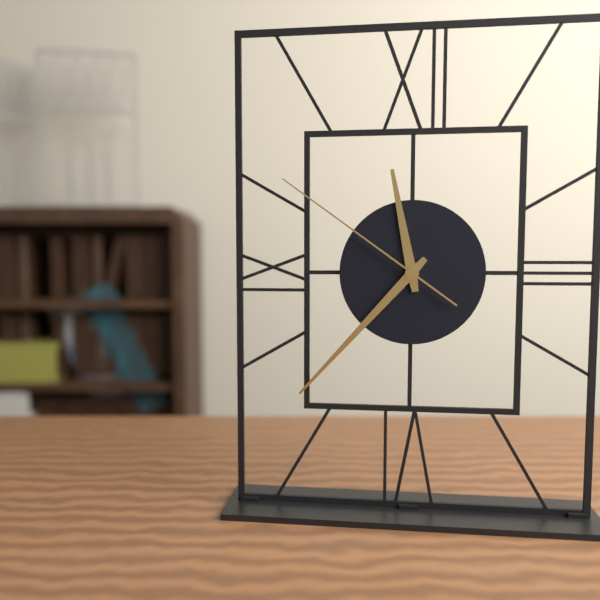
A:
11,37,51
